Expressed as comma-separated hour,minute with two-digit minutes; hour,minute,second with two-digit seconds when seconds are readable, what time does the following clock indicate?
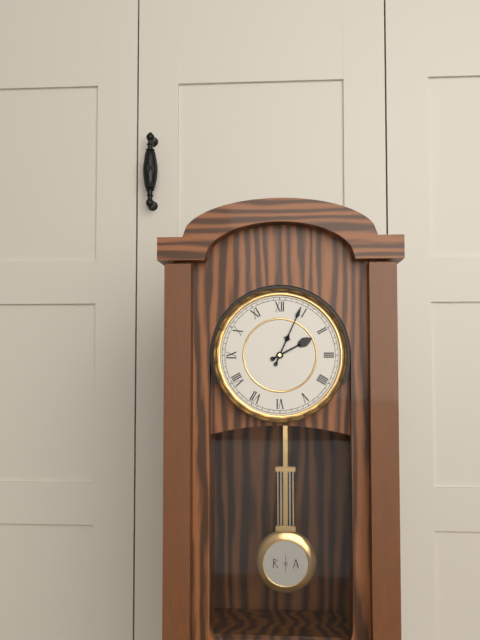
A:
2,04
